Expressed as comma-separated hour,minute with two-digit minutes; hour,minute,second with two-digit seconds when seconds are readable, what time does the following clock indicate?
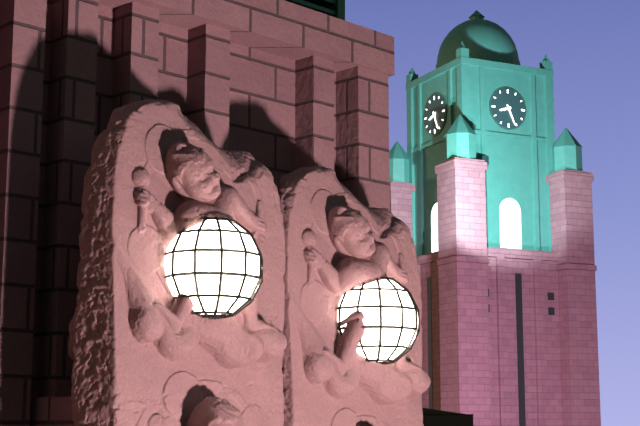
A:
8,26
